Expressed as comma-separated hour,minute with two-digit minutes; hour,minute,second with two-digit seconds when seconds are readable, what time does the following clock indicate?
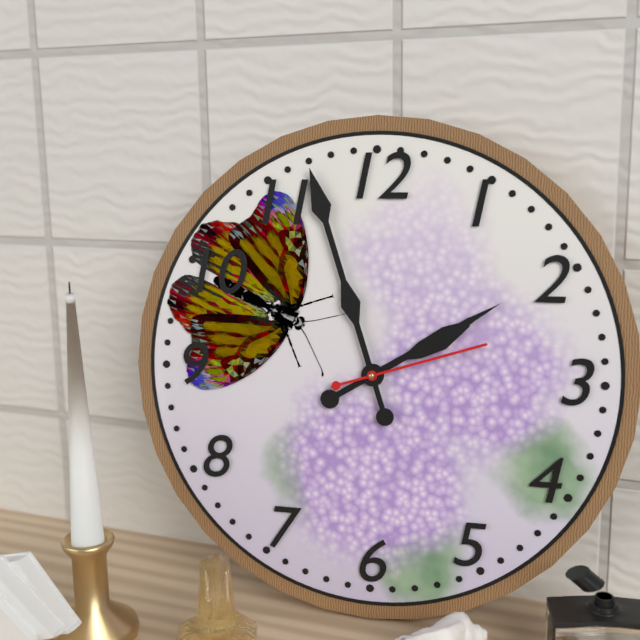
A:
1,57,12
